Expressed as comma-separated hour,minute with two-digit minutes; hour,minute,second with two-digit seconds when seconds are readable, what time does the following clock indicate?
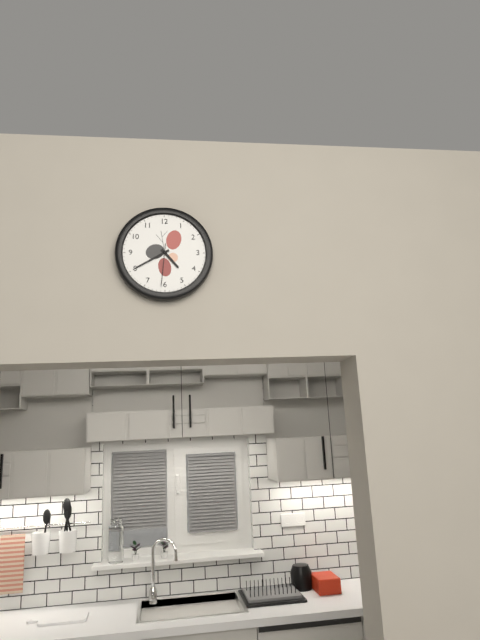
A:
4,40
